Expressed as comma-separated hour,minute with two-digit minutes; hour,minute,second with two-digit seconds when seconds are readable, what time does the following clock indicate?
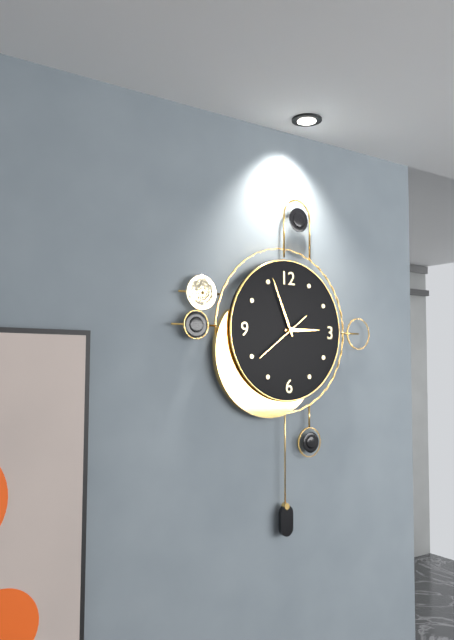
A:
2,56,39
